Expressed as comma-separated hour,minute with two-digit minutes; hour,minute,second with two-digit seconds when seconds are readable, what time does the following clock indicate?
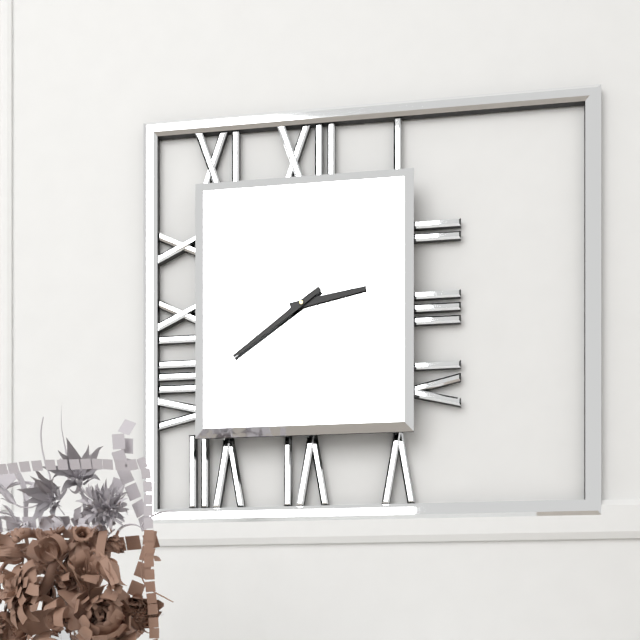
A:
2,39
